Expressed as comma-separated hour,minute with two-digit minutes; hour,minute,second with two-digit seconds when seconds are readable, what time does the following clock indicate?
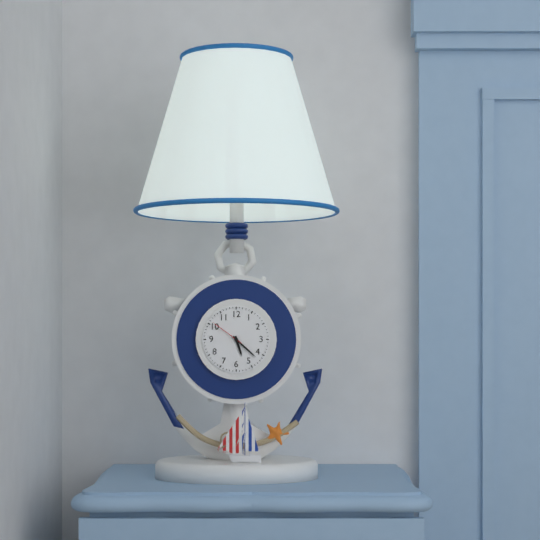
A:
5,22
